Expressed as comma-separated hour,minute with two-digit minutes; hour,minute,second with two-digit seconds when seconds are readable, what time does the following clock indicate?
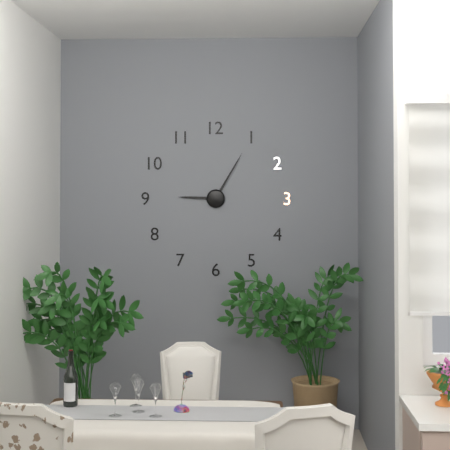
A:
9,05
